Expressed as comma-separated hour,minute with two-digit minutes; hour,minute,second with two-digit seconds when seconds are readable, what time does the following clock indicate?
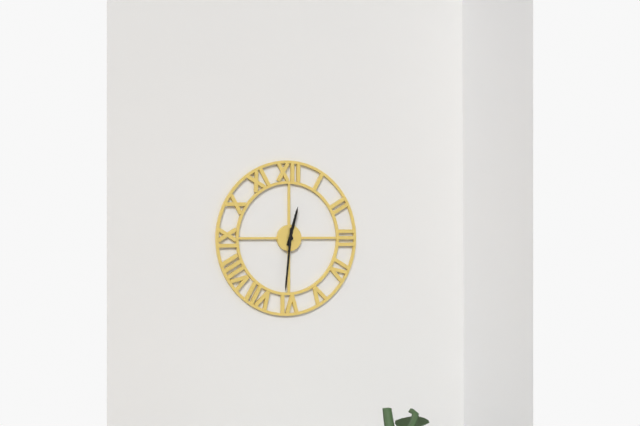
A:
12,31
